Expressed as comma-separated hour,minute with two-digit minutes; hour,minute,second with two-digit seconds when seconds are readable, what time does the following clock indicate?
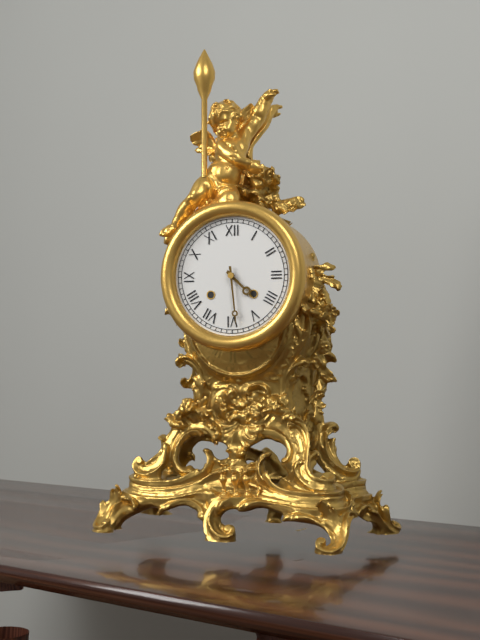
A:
4,29
